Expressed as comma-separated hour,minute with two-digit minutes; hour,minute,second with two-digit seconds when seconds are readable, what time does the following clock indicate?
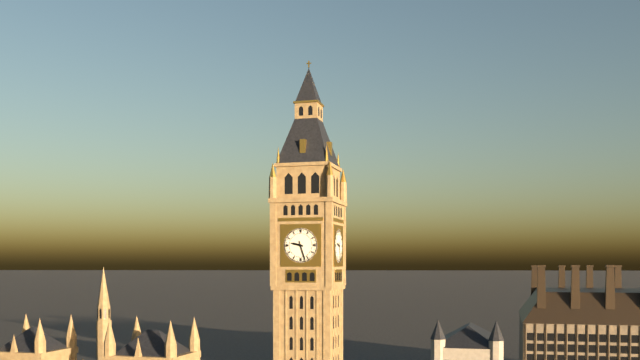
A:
9,27
